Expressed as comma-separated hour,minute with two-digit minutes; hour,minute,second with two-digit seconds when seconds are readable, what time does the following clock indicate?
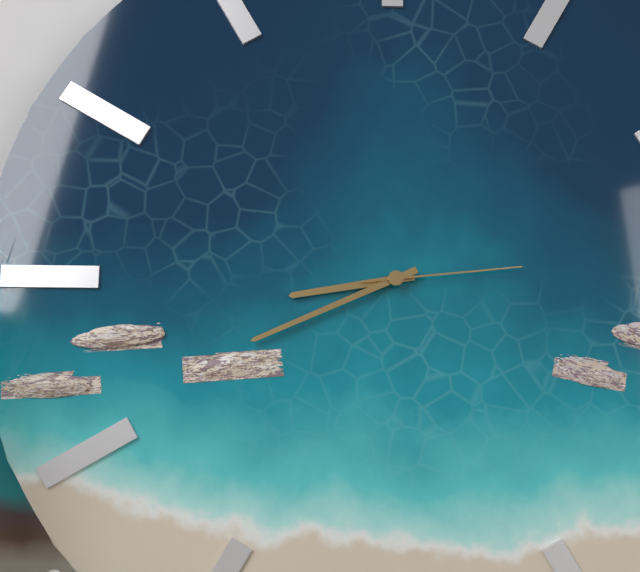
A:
8,41,14
